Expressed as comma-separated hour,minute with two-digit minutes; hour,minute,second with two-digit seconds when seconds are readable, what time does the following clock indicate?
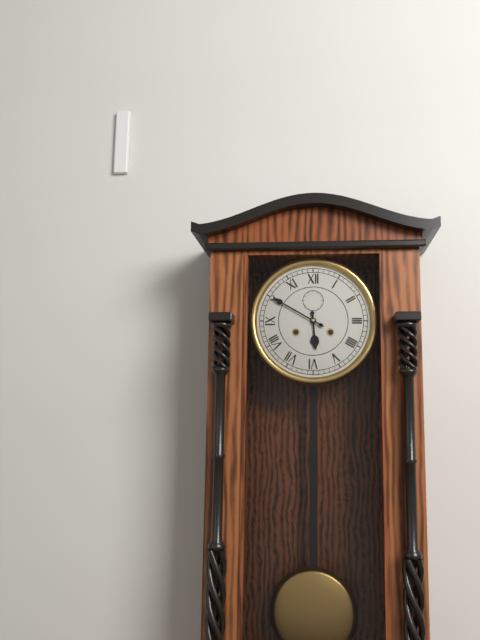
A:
5,50
